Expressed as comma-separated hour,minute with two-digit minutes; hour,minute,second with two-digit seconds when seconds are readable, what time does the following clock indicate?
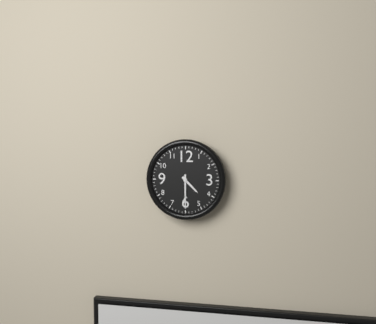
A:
4,30
